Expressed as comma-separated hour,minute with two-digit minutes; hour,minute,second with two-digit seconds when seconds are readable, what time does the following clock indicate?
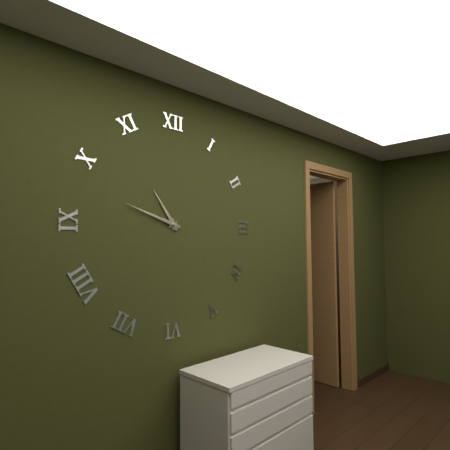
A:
10,48
